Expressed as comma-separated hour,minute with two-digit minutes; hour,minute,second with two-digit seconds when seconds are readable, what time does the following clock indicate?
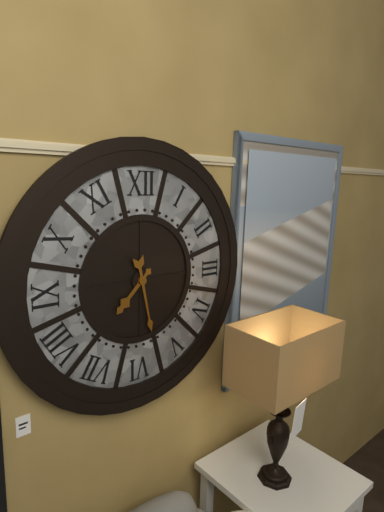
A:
7,28
